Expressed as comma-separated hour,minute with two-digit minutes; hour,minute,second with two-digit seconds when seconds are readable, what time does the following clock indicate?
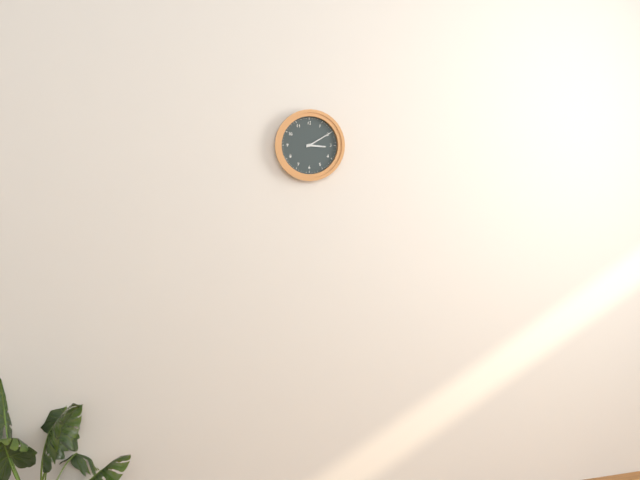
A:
3,10
